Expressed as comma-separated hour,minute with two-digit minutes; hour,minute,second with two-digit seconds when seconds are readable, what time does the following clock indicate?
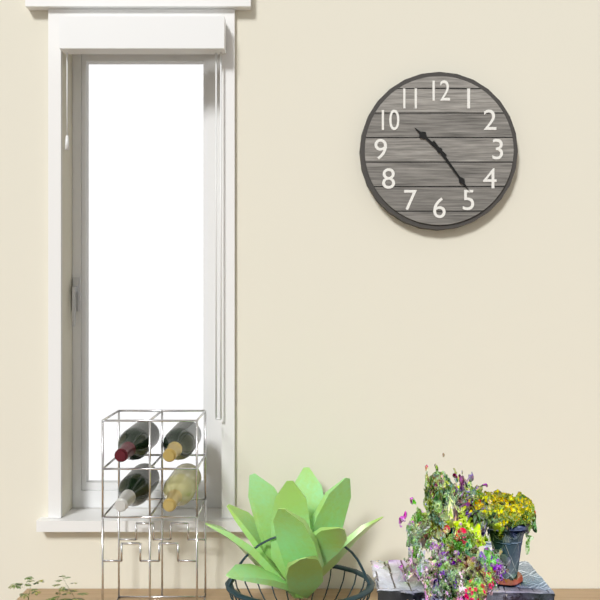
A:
10,24
